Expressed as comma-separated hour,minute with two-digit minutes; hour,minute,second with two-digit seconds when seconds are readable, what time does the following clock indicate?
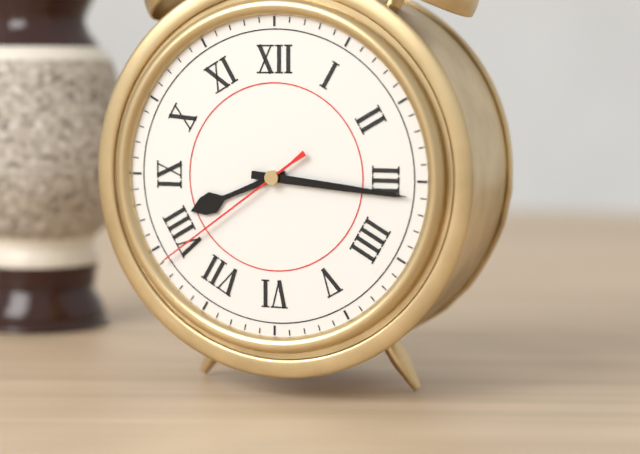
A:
8,16,39
